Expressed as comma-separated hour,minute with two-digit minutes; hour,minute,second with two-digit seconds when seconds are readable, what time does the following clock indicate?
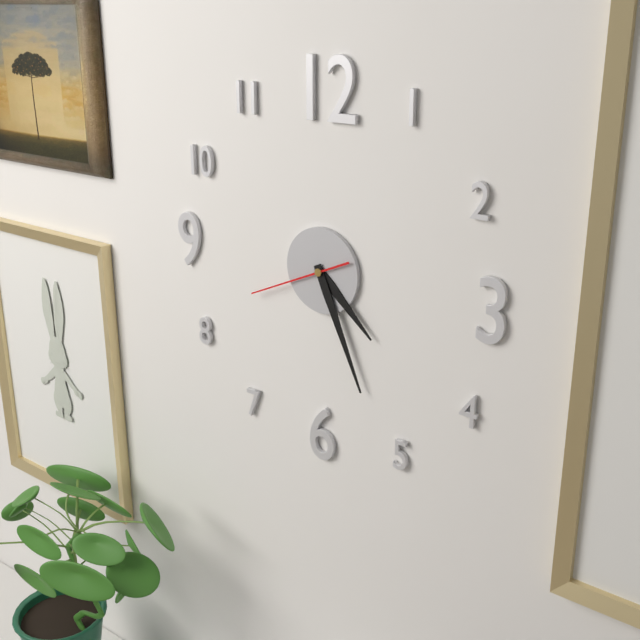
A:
4,26,41
